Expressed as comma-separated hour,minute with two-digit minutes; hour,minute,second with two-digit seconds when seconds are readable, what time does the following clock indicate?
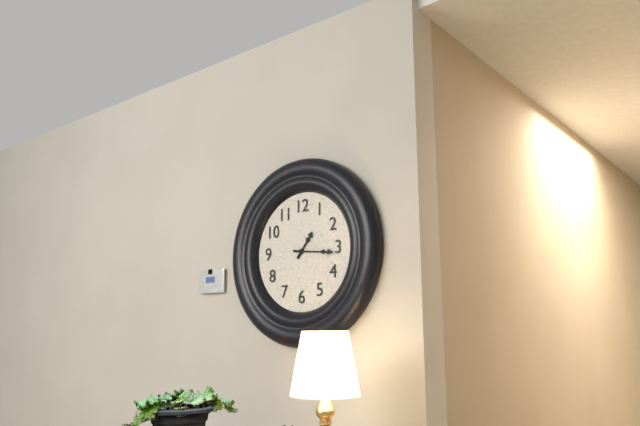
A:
1,16
